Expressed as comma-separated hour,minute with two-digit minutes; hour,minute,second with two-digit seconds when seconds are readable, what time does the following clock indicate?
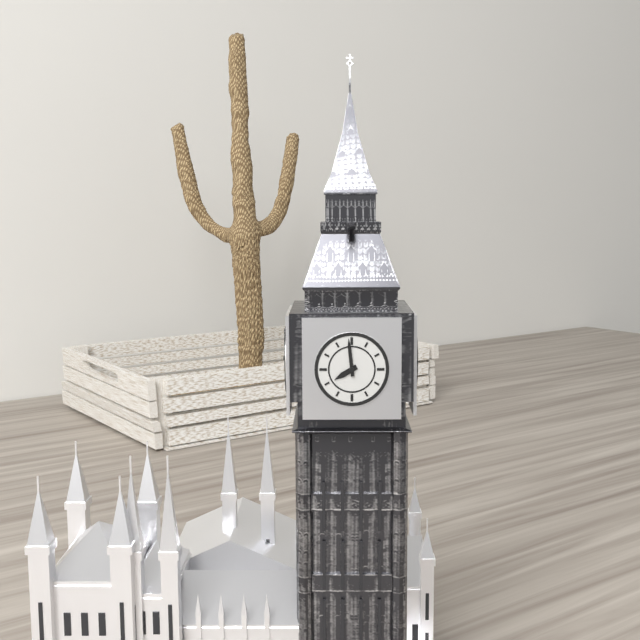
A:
7,59
